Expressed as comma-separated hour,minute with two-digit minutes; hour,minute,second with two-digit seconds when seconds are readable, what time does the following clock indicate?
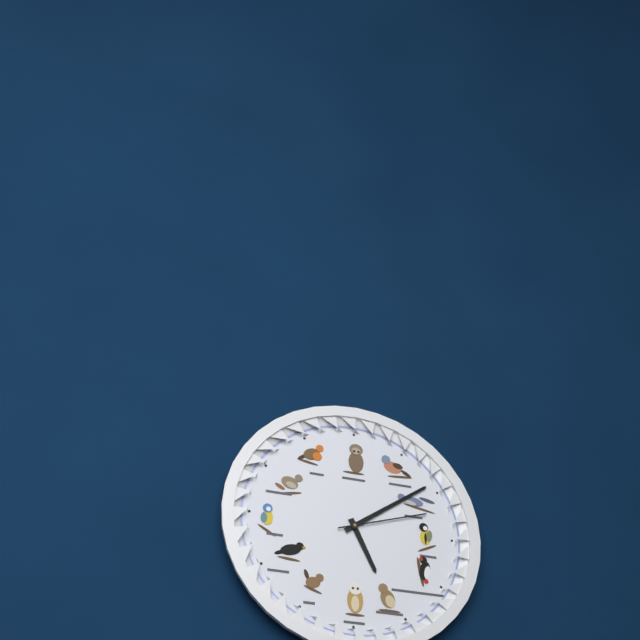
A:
5,09,12
